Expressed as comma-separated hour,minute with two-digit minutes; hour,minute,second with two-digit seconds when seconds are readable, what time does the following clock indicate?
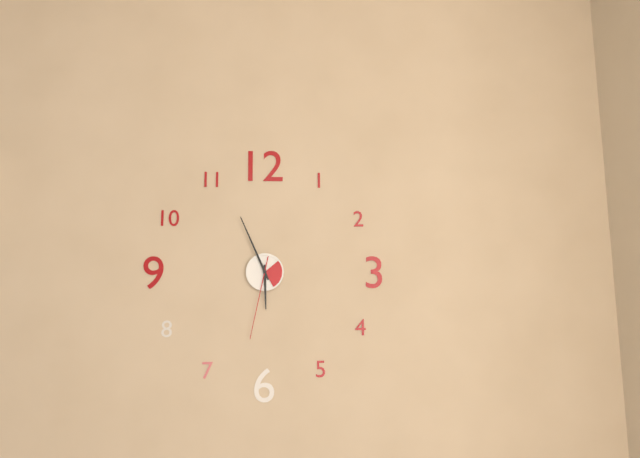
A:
5,56,32
